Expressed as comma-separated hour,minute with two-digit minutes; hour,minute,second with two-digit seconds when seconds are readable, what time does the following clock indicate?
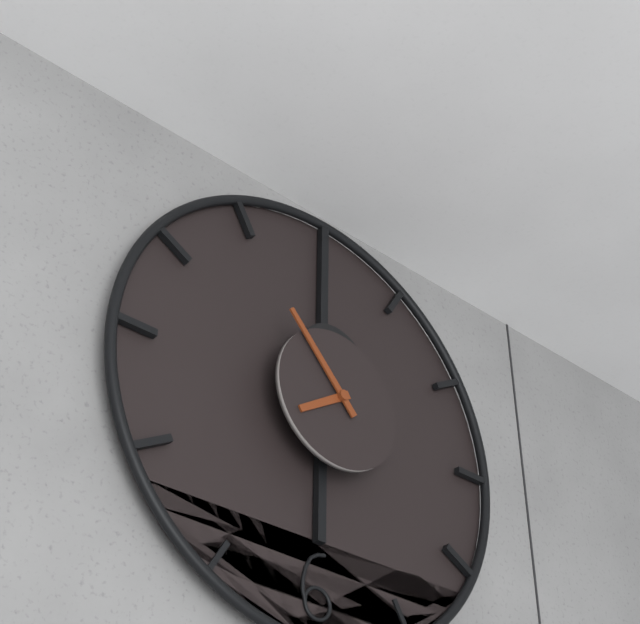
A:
7,53
